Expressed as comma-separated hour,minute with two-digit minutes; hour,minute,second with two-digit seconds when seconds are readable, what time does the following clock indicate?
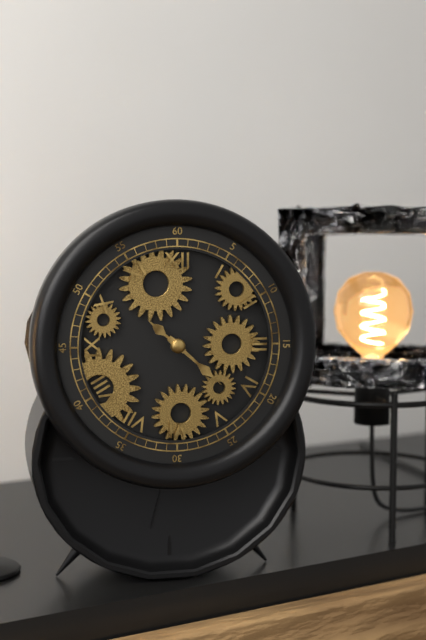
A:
10,22
